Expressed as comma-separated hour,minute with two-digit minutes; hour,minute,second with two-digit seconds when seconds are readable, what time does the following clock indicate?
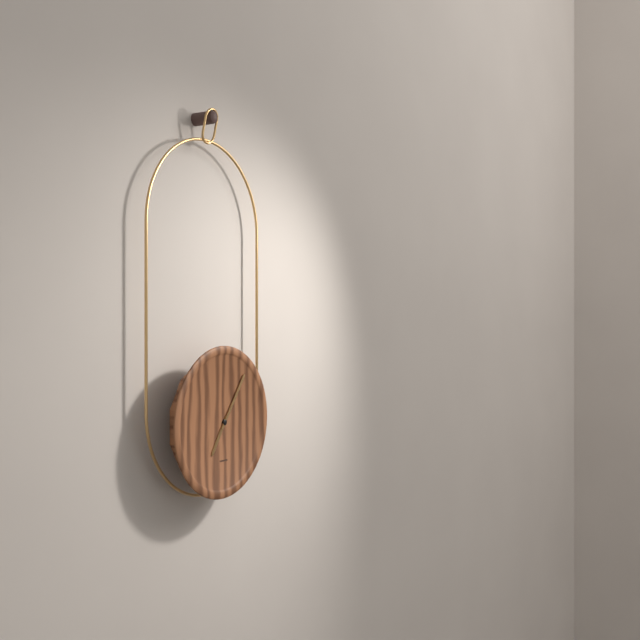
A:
7,06
